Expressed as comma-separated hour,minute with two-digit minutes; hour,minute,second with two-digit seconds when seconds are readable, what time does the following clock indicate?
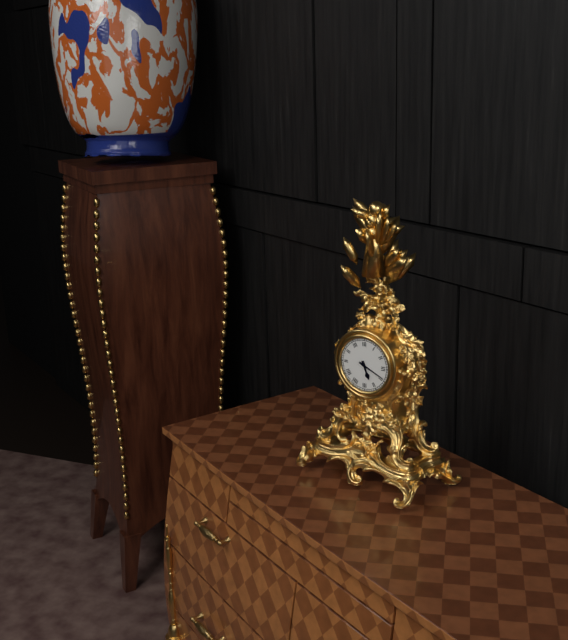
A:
5,19
